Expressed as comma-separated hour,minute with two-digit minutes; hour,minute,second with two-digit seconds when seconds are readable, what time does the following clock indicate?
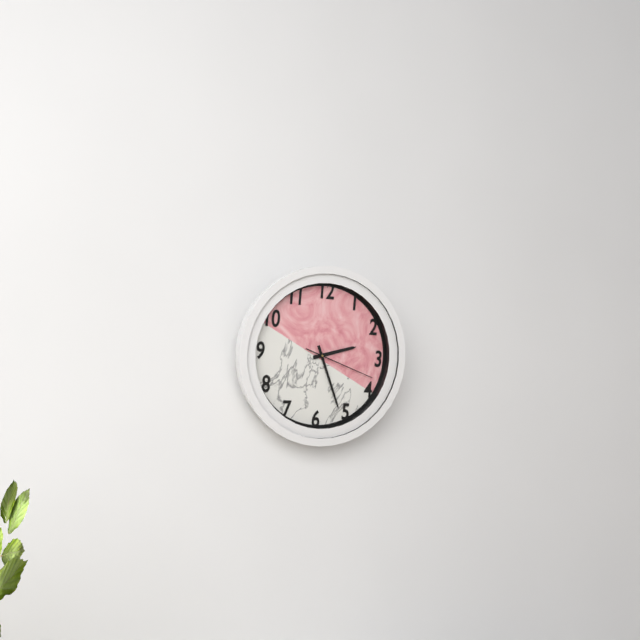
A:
2,26,18
